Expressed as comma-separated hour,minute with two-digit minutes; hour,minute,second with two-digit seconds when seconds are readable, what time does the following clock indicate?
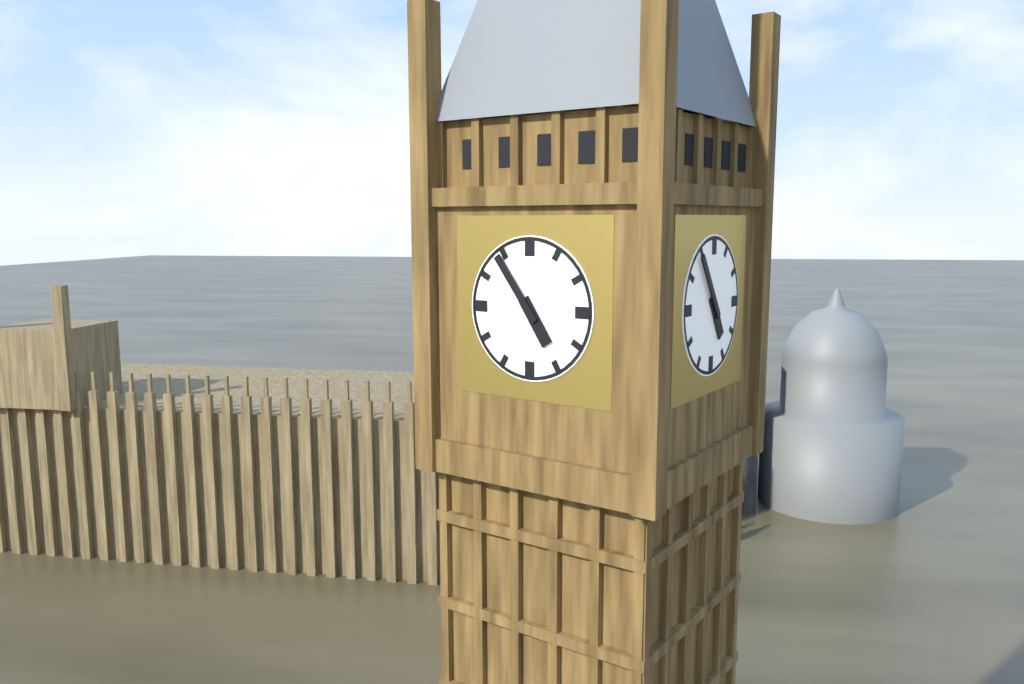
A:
4,54
